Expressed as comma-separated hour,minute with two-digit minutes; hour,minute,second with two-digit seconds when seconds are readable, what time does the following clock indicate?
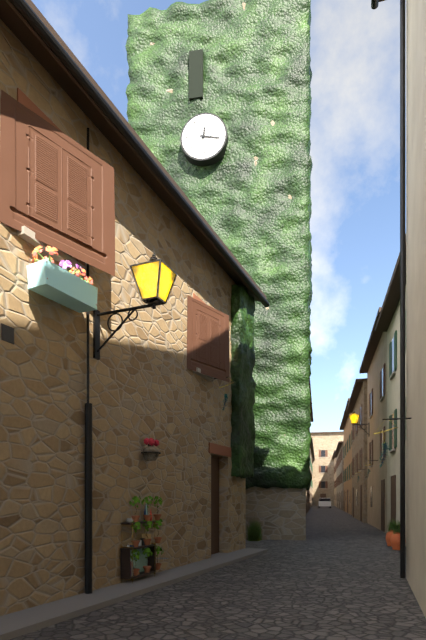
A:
12,17
